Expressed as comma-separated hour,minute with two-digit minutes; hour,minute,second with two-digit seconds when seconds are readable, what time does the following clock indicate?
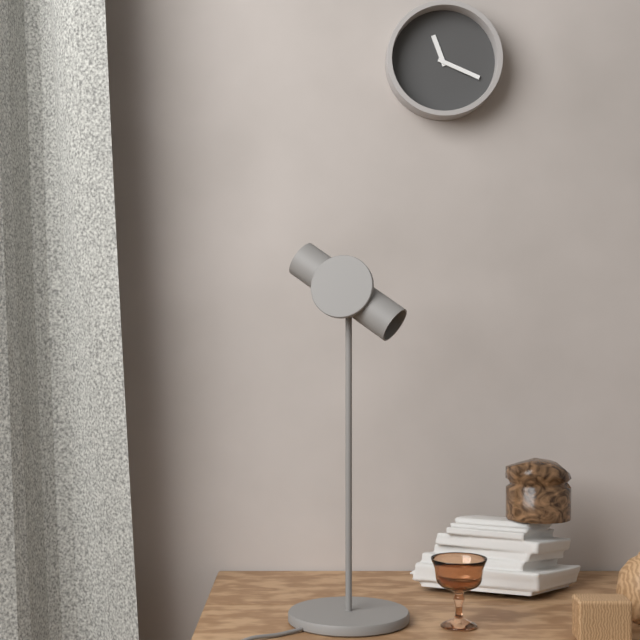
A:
11,19
